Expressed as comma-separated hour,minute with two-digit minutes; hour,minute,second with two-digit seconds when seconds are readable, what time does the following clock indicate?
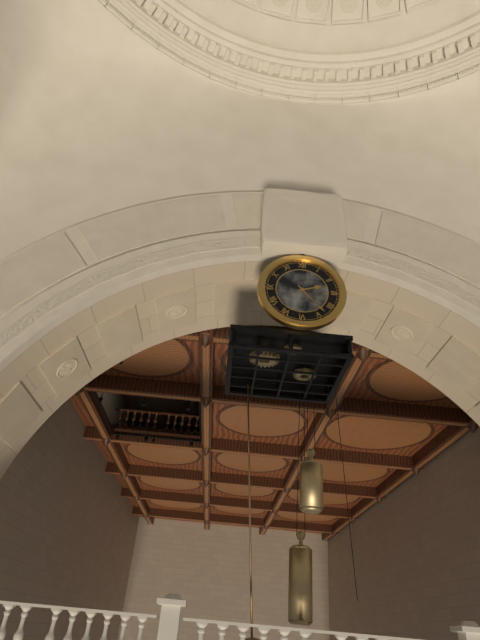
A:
2,23
